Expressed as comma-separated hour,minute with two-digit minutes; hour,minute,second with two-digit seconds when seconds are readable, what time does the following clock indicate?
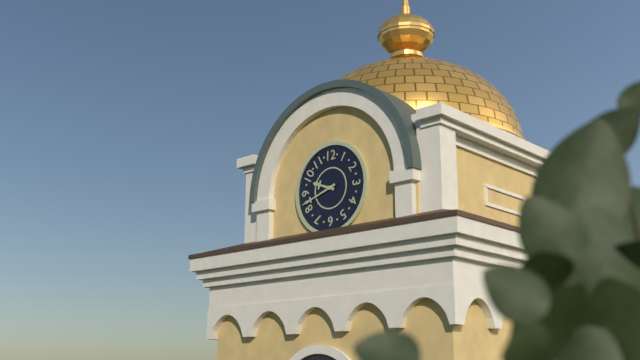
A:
9,42
